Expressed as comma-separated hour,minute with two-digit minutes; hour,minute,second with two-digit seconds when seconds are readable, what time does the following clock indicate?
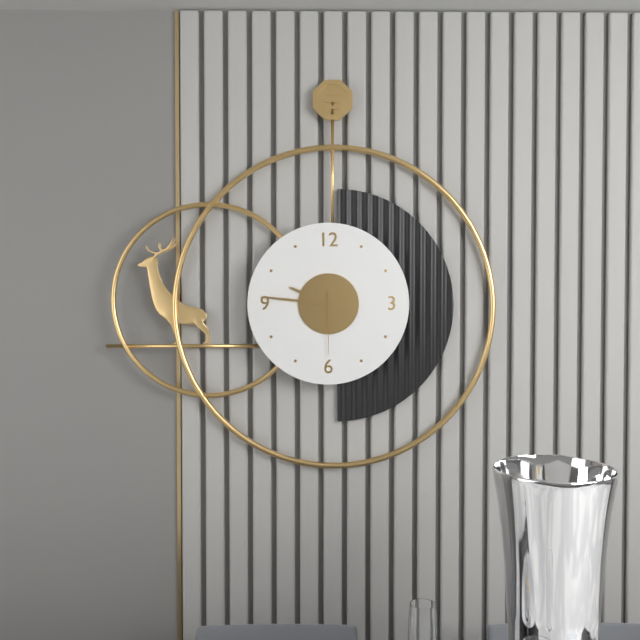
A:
9,46,30
